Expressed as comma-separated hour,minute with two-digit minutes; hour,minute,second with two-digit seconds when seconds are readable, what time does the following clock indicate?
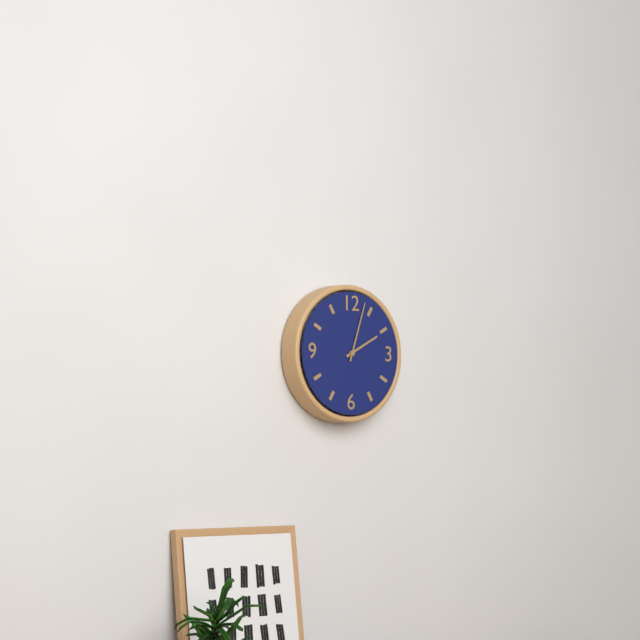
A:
2,03
